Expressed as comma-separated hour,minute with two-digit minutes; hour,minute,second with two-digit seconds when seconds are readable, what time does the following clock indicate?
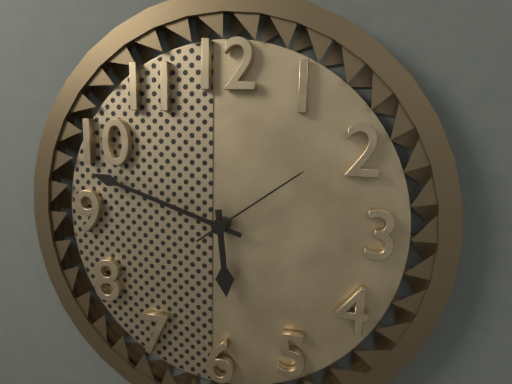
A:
5,48,09
